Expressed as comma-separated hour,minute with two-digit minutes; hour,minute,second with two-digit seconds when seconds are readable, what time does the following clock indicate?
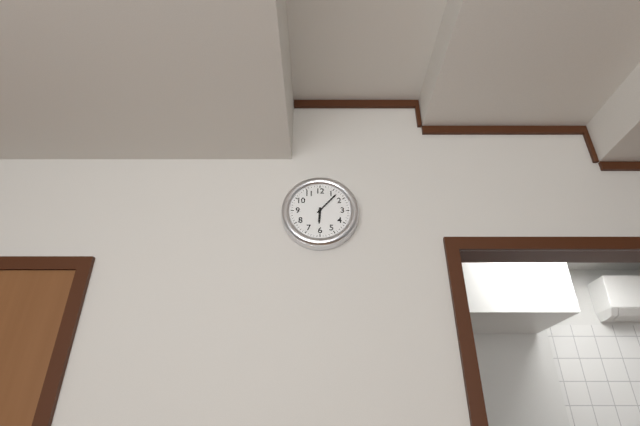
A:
6,07
